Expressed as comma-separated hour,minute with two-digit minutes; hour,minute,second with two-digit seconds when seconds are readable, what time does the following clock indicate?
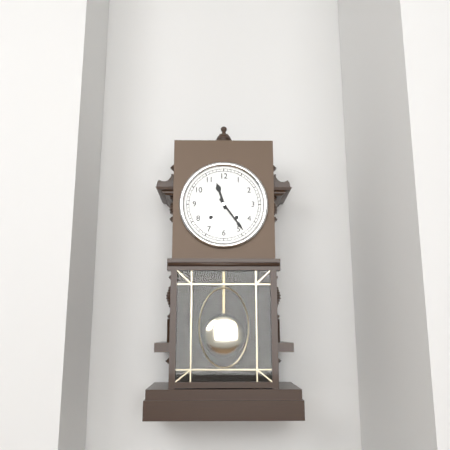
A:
11,24
